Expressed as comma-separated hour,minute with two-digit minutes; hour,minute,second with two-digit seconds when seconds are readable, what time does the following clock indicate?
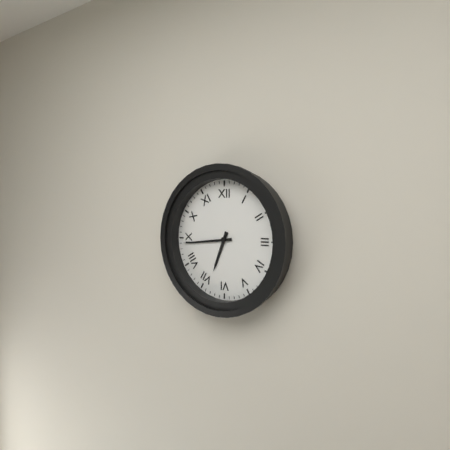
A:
6,44
